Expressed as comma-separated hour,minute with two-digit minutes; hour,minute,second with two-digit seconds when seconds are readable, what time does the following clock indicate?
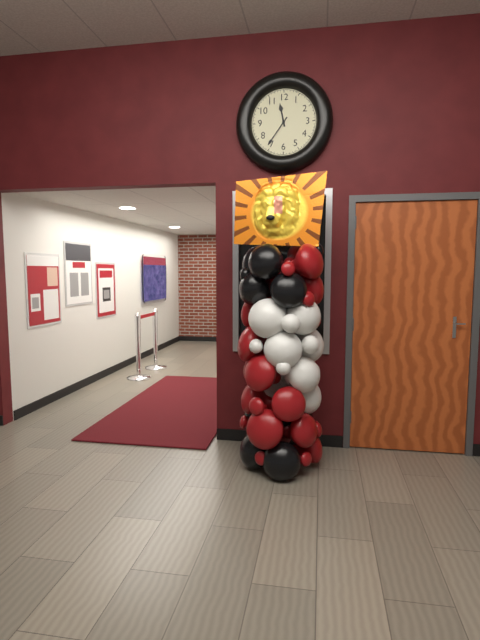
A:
11,36
